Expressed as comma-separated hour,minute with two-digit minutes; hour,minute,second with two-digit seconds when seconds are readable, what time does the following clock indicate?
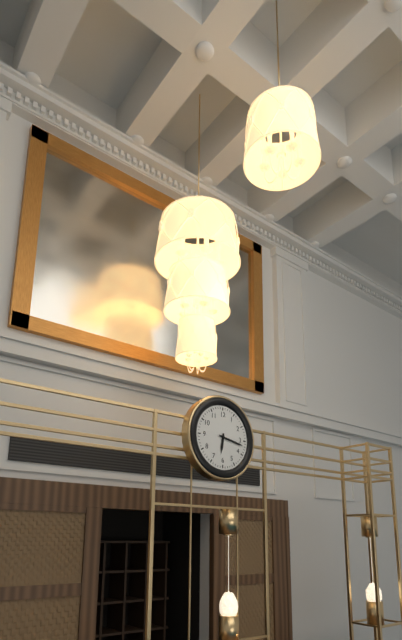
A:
6,17
